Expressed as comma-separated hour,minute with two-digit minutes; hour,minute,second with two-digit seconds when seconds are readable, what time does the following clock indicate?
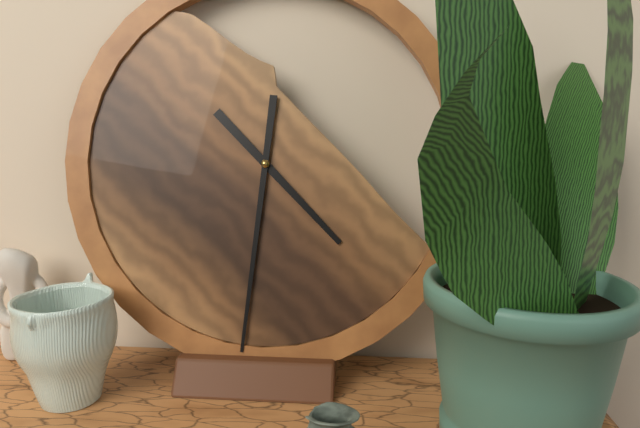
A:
4,31
